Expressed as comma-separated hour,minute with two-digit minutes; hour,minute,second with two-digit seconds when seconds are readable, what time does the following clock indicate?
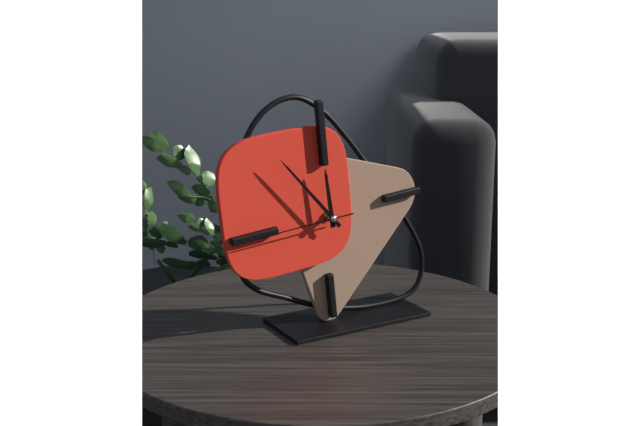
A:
11,54,45
